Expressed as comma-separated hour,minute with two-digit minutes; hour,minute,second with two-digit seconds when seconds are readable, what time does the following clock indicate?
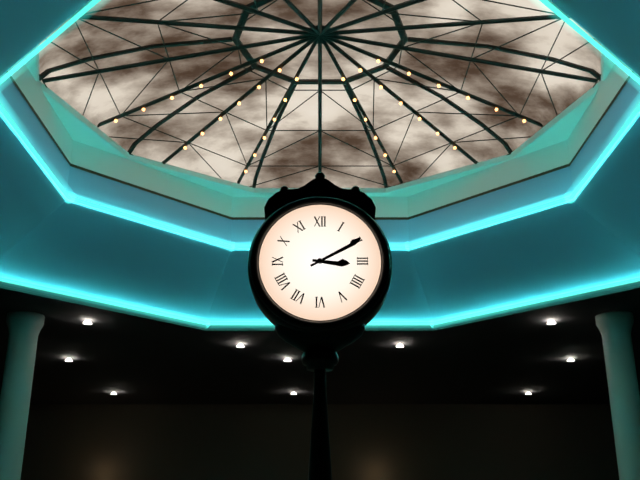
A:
3,10
